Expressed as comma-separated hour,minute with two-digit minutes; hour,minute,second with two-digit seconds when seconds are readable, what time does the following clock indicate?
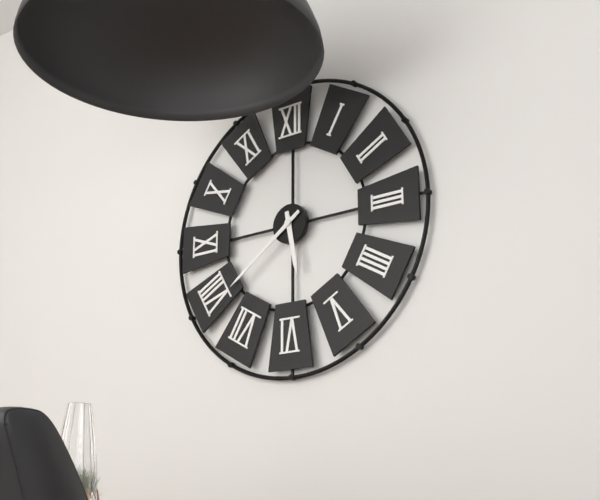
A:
5,39
